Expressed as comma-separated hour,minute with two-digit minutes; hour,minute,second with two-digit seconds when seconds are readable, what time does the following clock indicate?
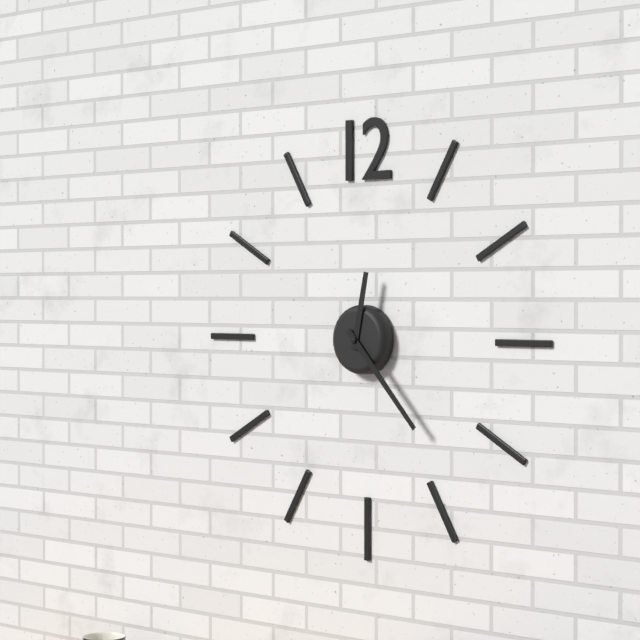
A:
12,23
